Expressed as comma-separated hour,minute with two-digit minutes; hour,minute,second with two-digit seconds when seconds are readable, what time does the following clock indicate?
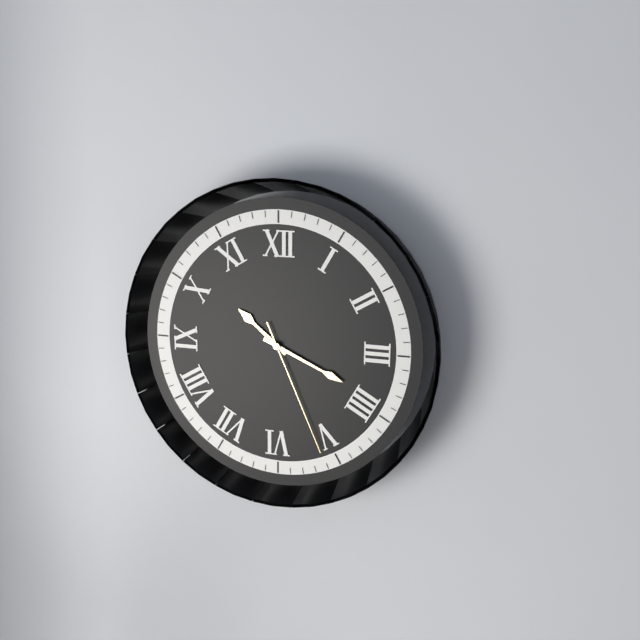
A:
10,19,26
